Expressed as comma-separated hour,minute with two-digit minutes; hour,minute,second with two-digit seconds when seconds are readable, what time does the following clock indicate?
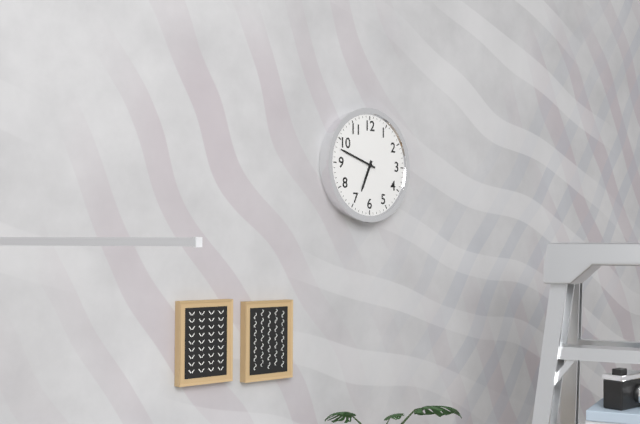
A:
6,48
